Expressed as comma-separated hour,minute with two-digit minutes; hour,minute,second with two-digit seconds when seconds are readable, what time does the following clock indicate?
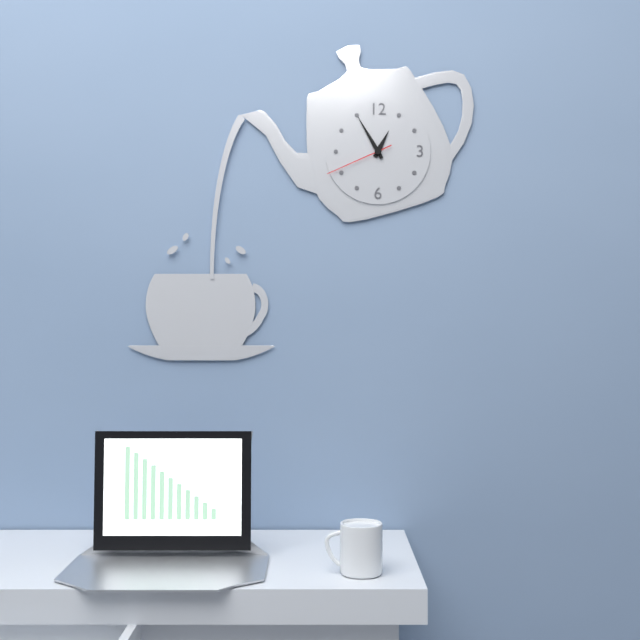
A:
12,55,41
